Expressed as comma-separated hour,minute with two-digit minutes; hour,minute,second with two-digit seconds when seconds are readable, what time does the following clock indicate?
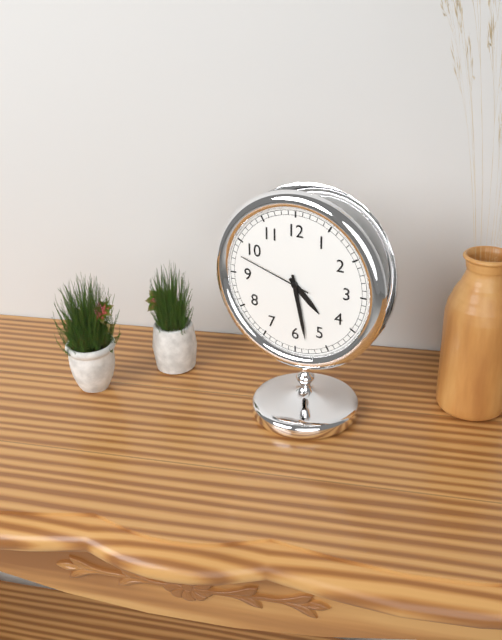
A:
4,28,48
